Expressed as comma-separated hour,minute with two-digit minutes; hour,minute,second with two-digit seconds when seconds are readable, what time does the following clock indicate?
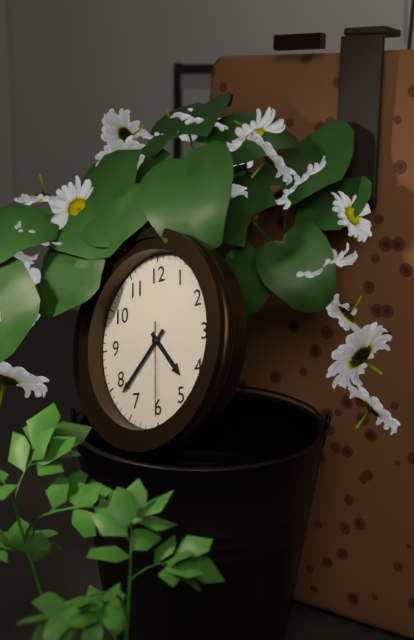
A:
4,38,30
